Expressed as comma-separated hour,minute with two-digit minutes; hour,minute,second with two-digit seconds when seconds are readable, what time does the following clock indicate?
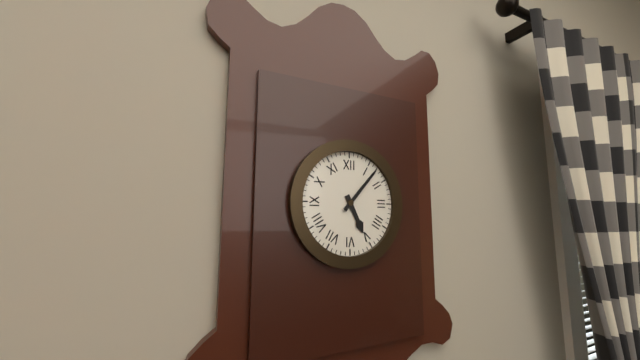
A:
5,07
